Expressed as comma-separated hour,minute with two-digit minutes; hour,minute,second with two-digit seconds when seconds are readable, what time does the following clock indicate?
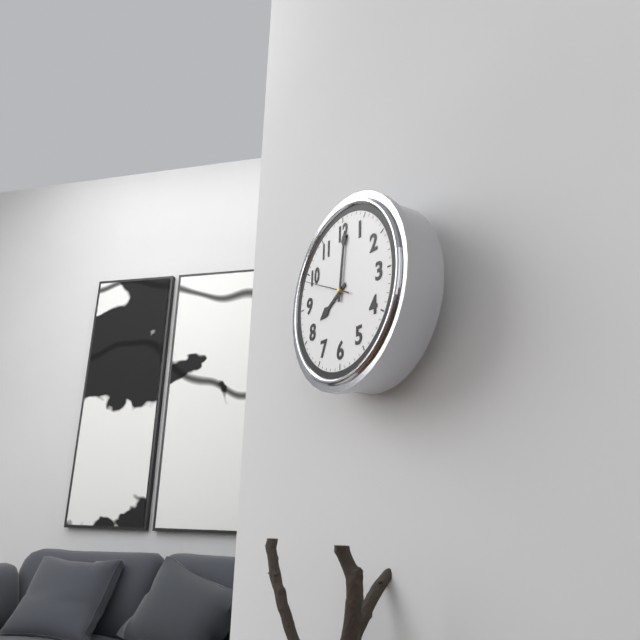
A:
8,01,49
